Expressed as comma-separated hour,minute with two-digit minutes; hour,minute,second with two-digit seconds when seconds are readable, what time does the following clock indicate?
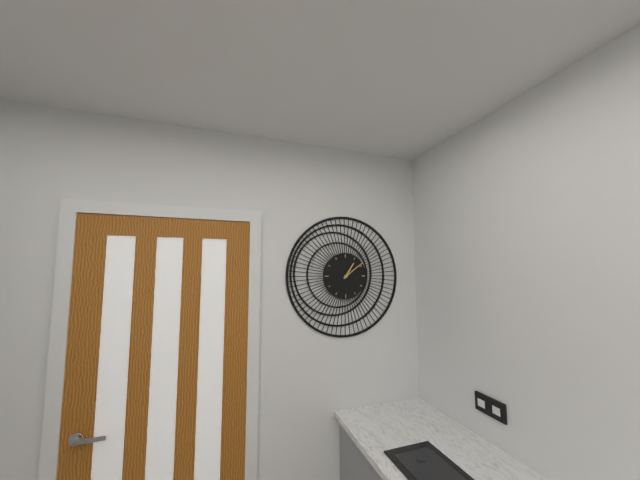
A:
1,09
